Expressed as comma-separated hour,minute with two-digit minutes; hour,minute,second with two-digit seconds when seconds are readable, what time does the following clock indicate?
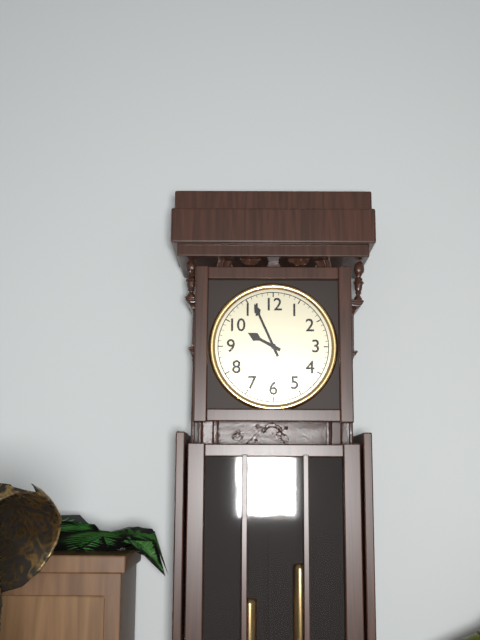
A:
9,56
